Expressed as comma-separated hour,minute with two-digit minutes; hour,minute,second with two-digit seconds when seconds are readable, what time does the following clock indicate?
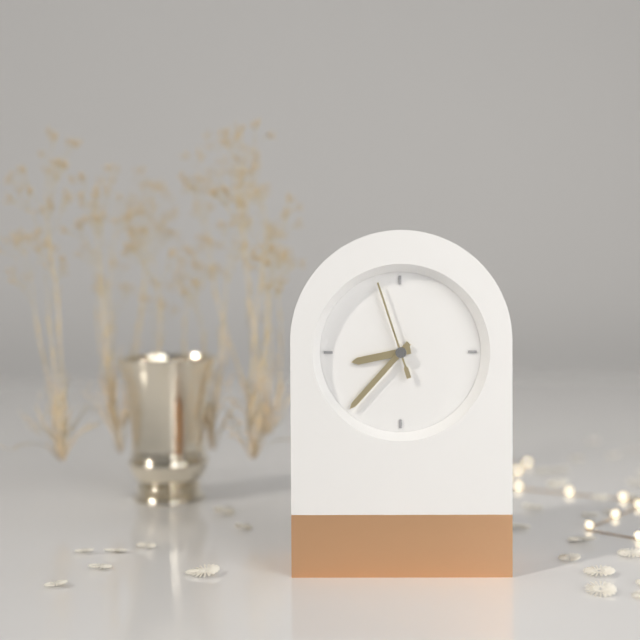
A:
8,37,57
